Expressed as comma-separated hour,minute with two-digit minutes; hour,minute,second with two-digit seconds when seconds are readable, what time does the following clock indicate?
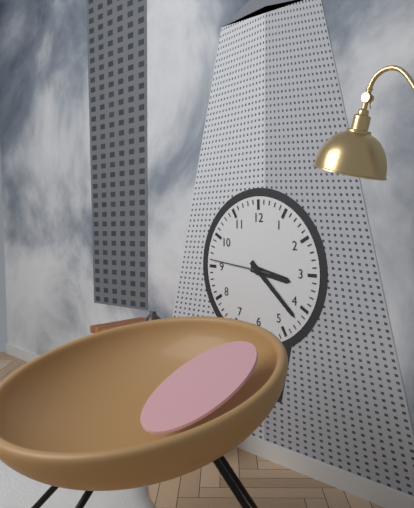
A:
3,22,46
